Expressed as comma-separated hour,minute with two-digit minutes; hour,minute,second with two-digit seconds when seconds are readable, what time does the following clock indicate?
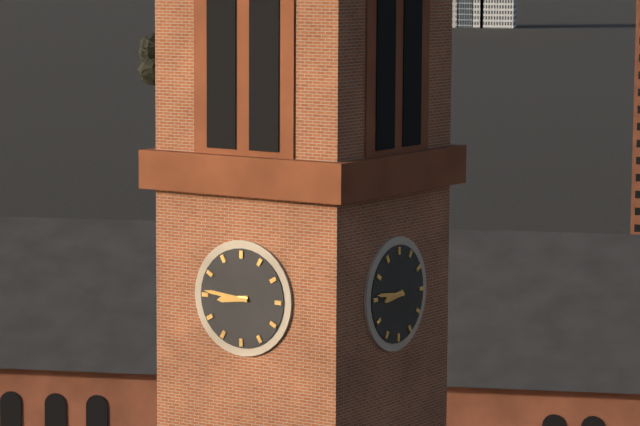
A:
8,46
